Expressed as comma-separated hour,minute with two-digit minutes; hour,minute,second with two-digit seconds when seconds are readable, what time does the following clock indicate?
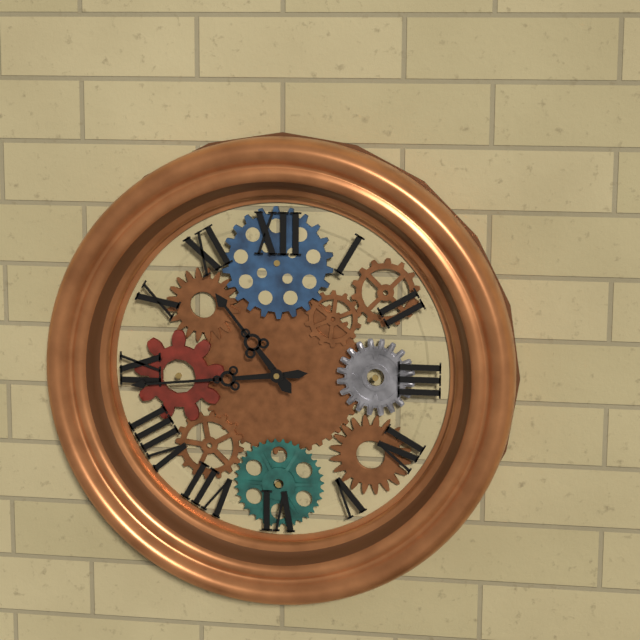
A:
10,44
